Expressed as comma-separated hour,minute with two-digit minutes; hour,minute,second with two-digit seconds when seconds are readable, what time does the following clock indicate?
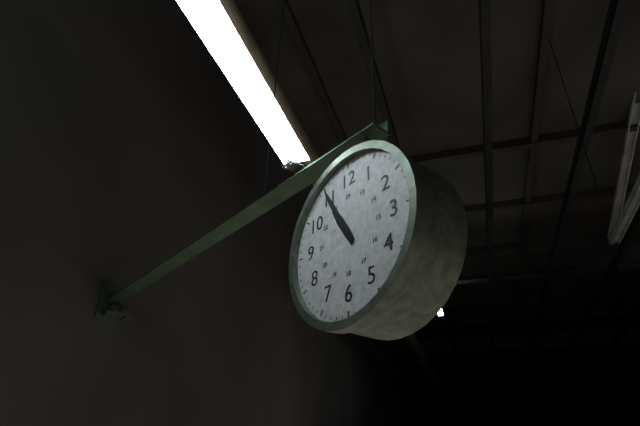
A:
10,55
